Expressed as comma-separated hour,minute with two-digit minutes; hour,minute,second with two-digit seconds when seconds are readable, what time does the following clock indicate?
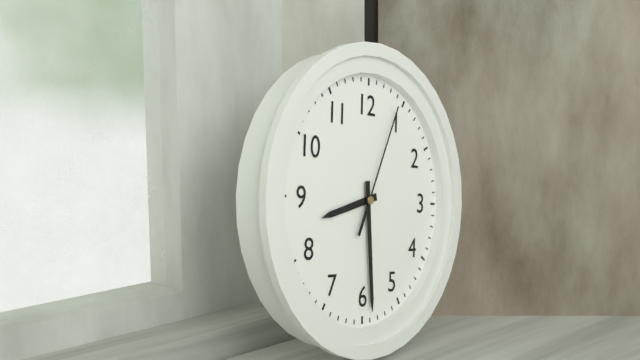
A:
8,29,04
